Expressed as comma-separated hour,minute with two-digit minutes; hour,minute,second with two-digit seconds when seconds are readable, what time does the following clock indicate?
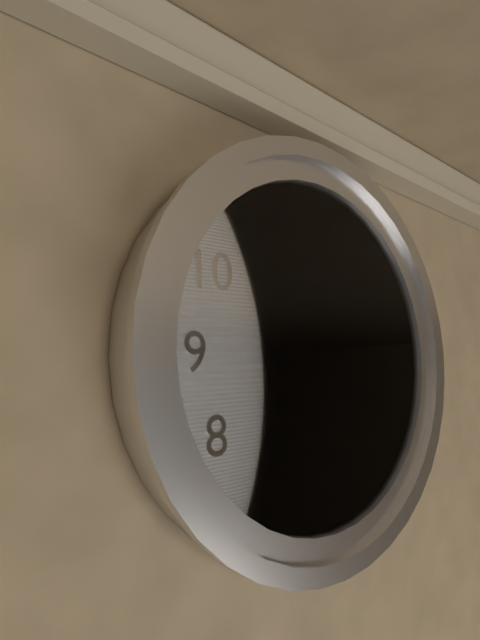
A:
2,12,19
